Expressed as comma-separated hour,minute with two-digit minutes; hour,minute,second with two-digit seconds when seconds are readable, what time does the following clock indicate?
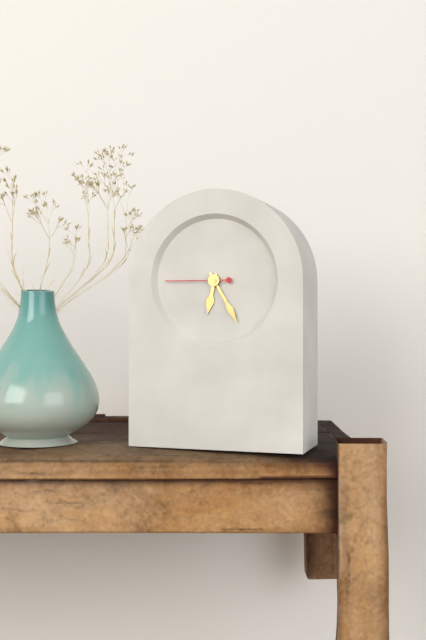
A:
6,25,45
